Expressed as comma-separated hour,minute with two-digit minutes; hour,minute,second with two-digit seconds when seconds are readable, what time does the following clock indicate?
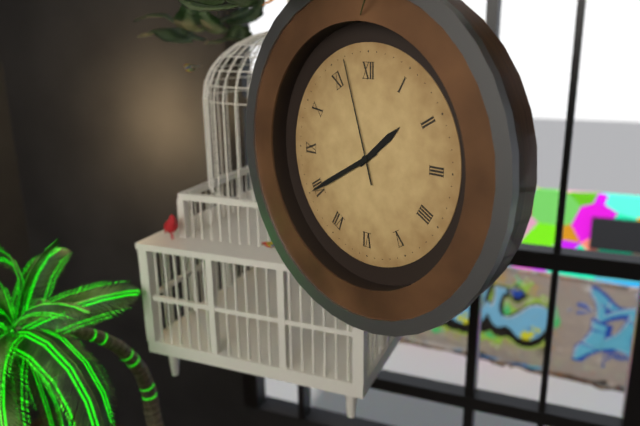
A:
1,40,57
